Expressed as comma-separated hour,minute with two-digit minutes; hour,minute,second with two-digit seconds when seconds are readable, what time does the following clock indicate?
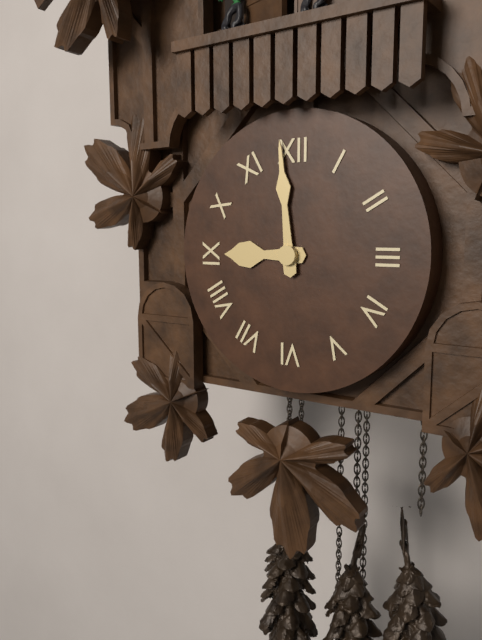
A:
8,59
